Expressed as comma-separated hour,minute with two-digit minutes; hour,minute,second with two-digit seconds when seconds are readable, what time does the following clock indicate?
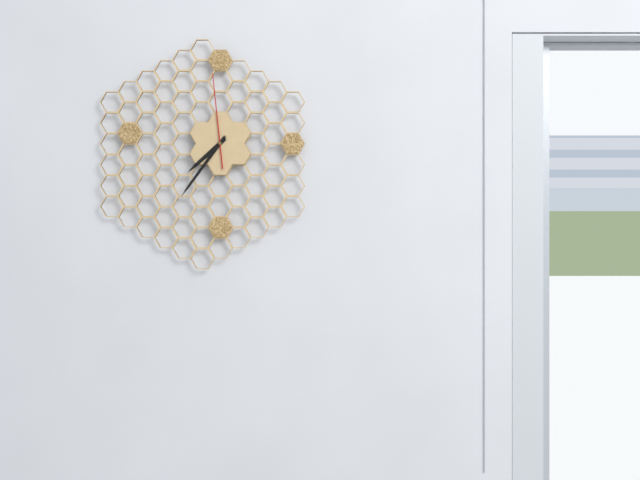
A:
7,36,59
